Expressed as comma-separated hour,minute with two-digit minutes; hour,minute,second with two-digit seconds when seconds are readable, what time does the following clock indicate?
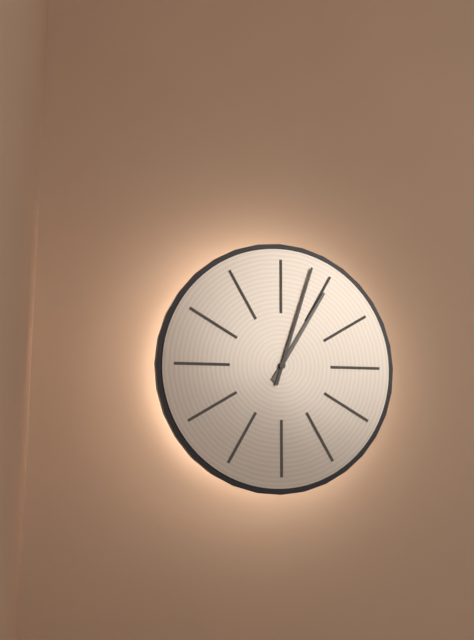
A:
1,03
